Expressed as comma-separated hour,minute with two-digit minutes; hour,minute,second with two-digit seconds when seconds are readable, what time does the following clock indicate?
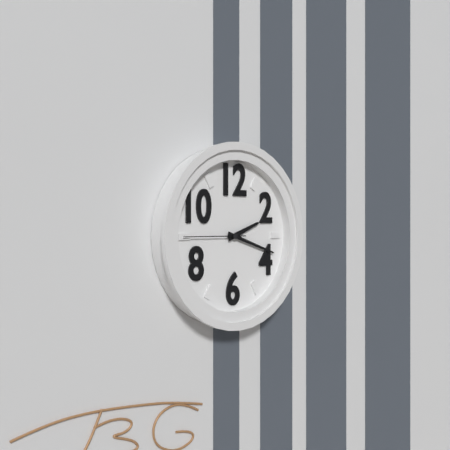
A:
2,18,45
